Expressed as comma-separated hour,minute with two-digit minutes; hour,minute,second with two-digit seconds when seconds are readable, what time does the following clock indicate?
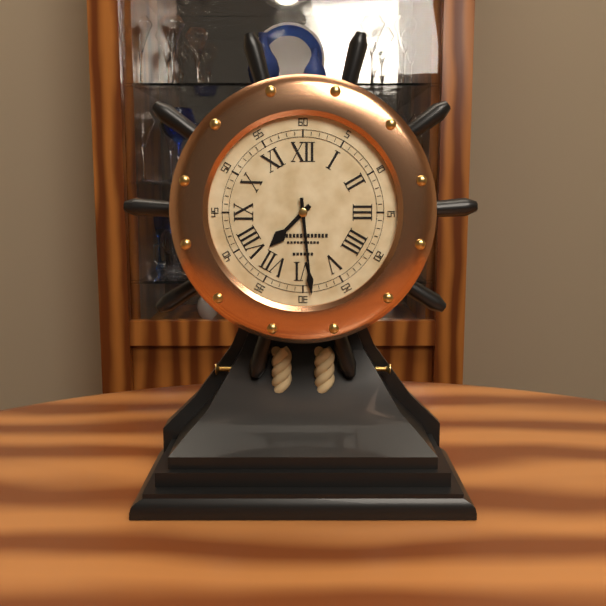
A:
7,29
